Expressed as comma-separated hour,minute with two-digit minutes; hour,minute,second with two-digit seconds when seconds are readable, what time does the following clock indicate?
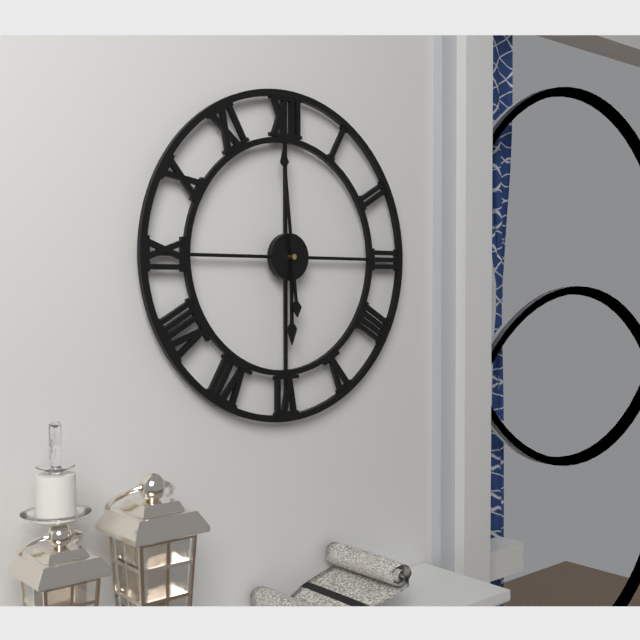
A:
5,59
